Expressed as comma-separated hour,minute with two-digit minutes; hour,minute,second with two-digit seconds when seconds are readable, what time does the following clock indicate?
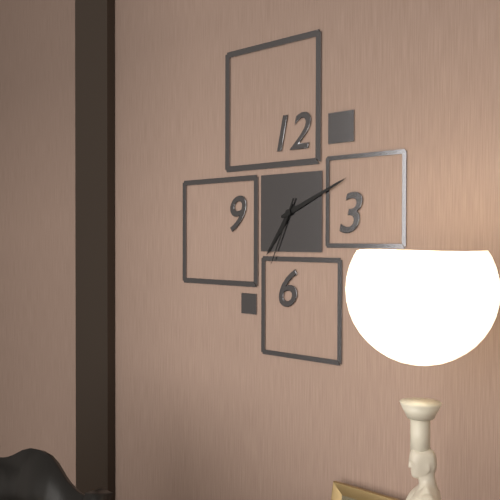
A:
7,11,34
